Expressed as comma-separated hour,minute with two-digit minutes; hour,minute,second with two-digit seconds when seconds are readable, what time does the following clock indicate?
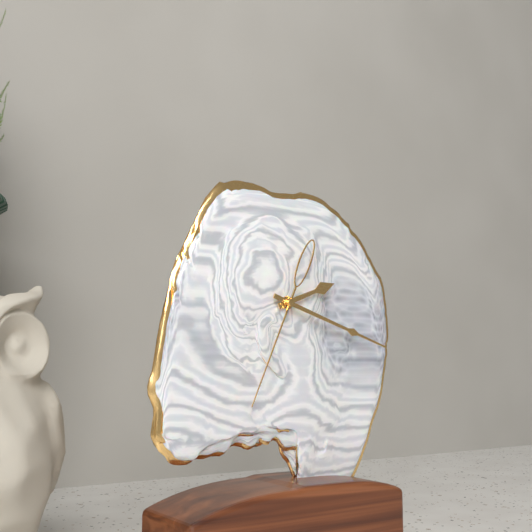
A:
2,18,34
